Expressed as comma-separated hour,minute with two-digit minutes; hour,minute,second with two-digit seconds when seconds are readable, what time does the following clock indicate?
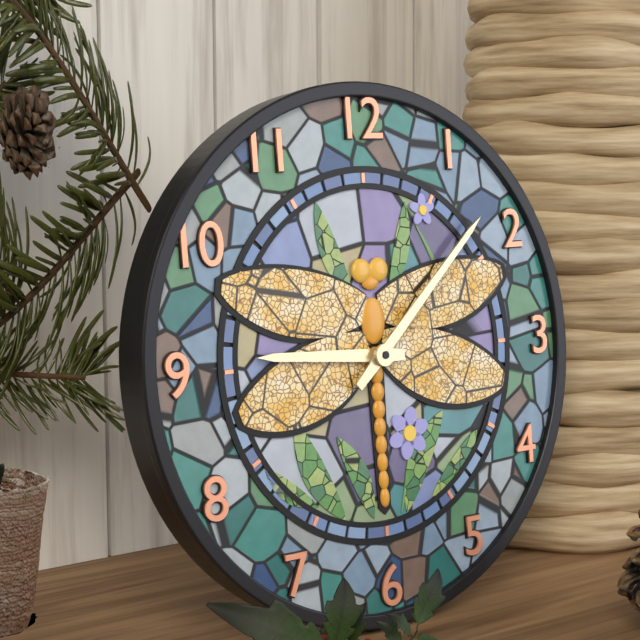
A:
9,08
